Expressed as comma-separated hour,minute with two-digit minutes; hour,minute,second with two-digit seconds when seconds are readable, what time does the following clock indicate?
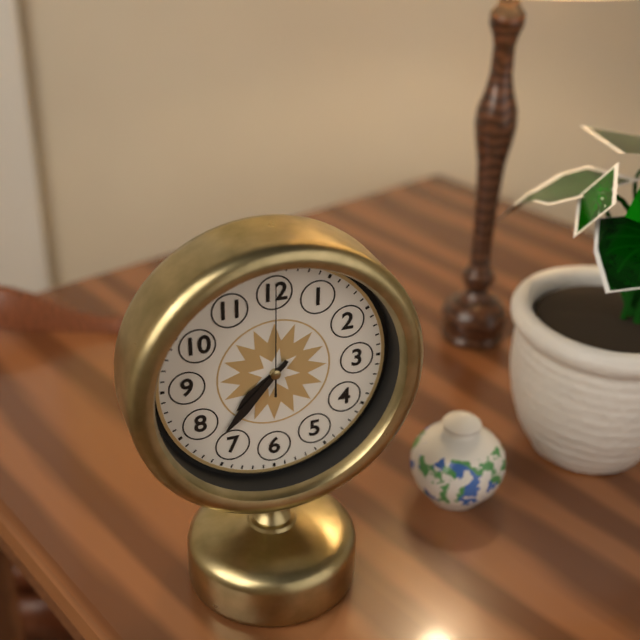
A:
7,37,00
